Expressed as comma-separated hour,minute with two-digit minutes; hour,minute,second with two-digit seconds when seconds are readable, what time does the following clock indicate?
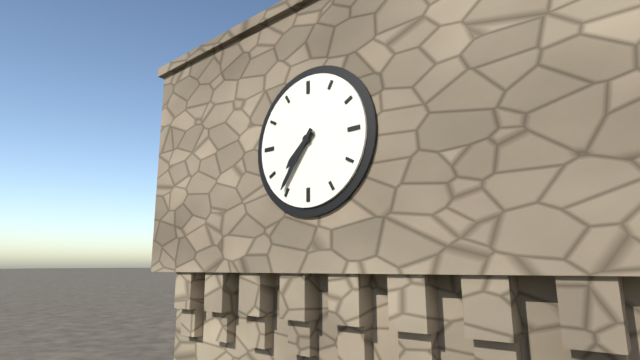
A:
7,36
